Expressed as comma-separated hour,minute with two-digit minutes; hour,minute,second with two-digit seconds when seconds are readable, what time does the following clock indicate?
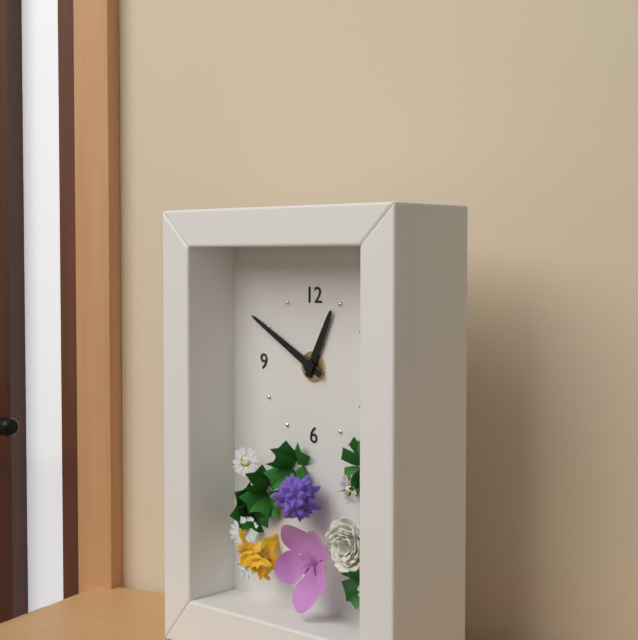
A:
12,50
